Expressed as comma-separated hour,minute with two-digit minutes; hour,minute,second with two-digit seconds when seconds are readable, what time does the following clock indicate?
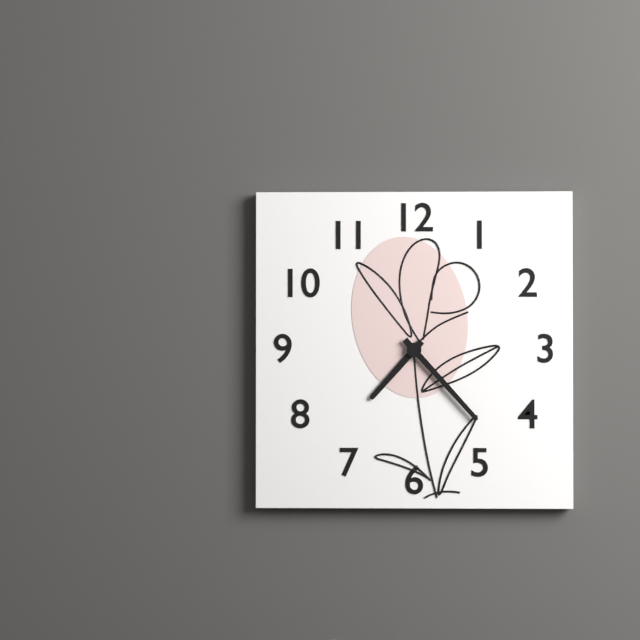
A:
7,23
